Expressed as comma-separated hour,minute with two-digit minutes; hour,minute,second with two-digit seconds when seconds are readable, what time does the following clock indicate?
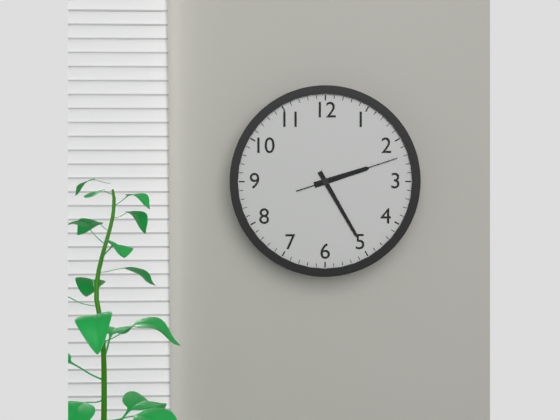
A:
2,25,12
